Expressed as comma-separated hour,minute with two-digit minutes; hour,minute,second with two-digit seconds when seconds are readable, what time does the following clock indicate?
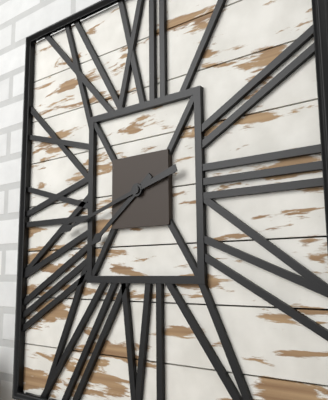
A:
7,42
